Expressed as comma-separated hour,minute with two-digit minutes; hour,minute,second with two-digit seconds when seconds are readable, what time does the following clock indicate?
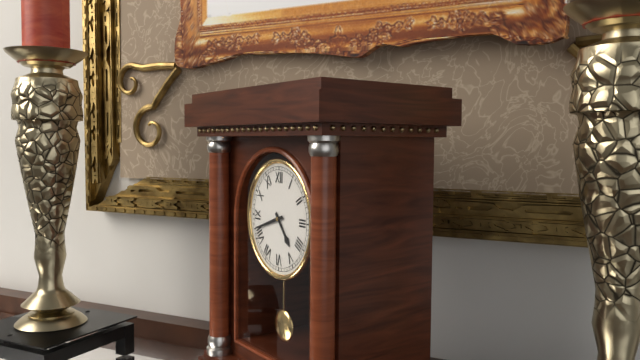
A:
4,42
